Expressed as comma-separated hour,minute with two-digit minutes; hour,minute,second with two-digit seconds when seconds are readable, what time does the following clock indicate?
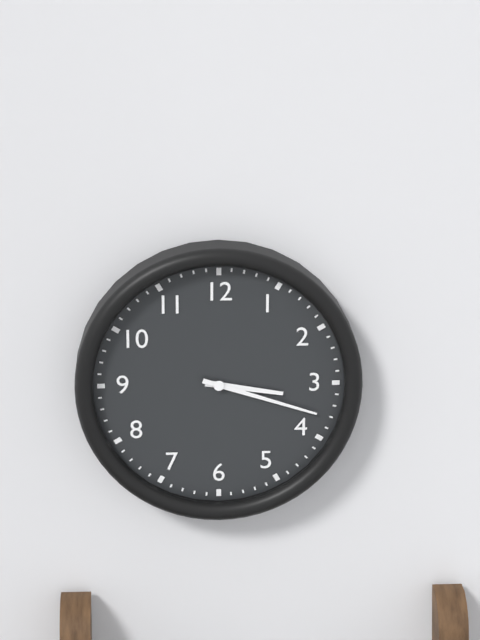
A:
3,18
